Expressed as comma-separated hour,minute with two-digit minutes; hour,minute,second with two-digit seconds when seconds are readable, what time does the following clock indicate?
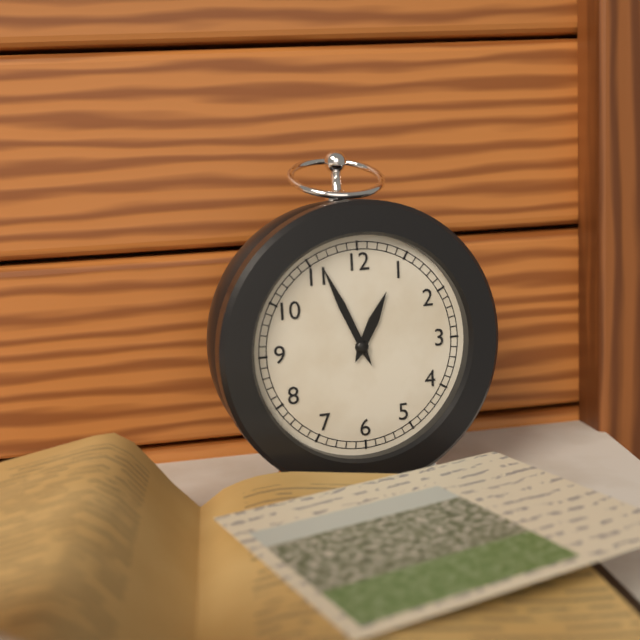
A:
12,56
